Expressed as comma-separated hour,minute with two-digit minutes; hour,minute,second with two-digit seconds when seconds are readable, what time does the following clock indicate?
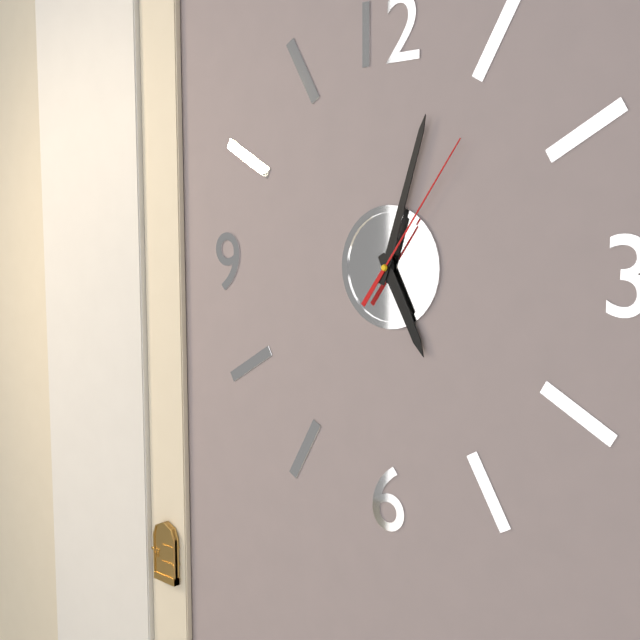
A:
5,03,06
